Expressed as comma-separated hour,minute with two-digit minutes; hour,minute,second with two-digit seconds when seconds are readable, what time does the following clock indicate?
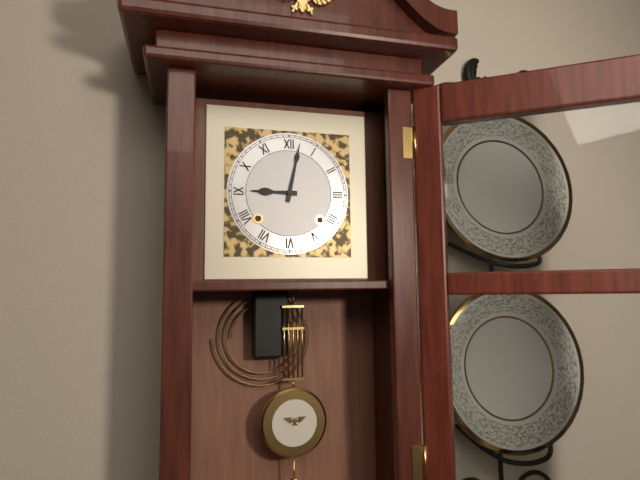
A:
9,02
